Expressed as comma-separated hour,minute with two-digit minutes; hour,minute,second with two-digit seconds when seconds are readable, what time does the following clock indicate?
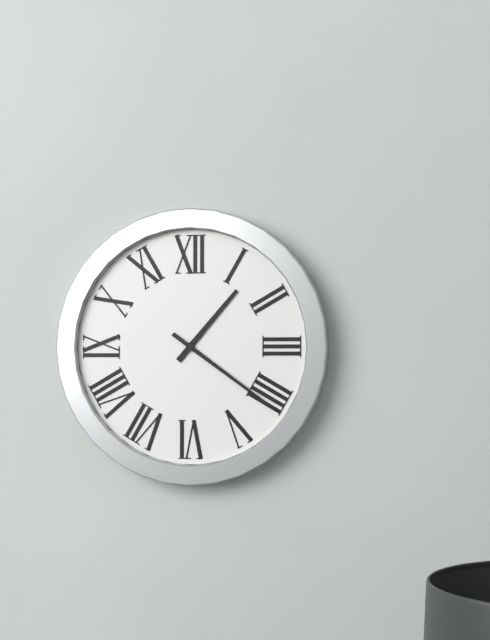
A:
1,21
